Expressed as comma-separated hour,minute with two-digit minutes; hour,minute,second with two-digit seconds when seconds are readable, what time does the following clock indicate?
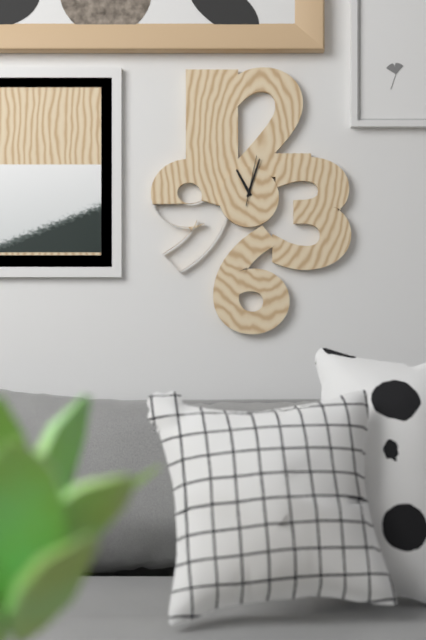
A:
11,03
